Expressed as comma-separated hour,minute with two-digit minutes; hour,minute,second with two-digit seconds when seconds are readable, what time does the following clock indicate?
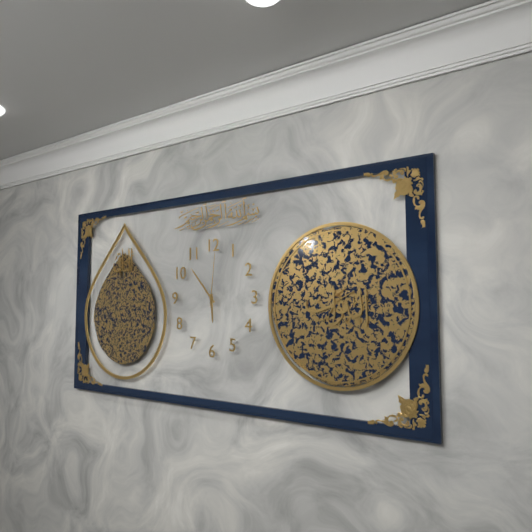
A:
5,53,01
